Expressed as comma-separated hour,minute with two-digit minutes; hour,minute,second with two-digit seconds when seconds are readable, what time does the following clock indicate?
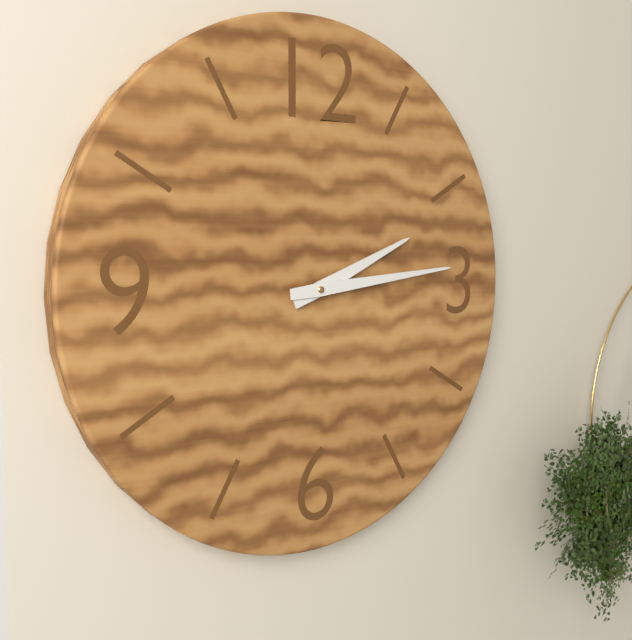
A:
2,14
